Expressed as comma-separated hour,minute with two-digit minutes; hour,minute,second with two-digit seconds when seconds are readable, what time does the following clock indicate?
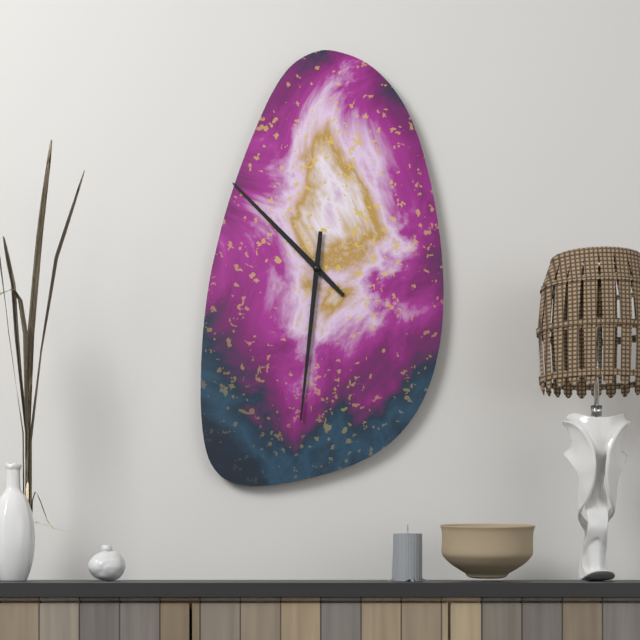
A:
10,31
